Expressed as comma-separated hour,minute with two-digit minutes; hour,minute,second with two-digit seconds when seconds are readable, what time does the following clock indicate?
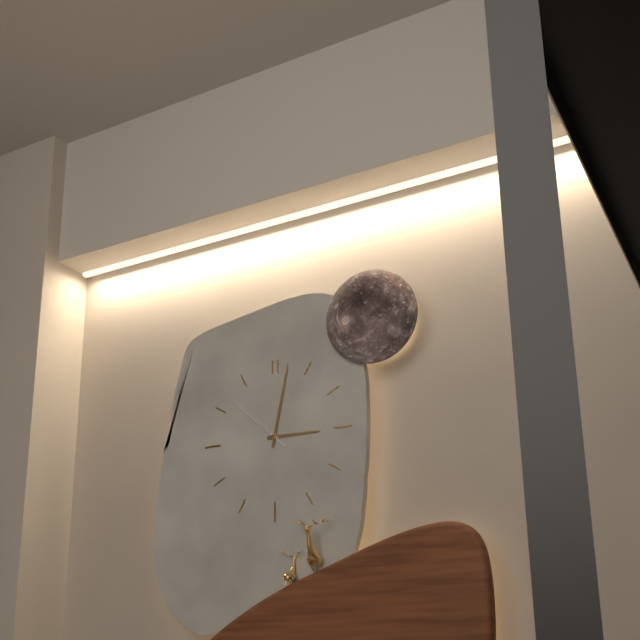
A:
3,02,52
